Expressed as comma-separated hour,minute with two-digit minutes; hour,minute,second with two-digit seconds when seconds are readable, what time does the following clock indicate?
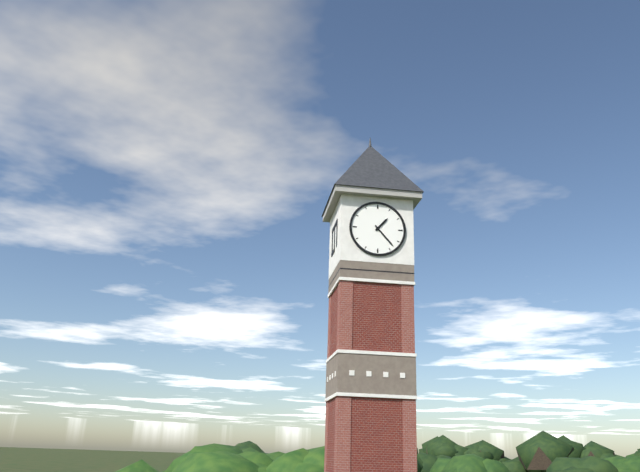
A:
1,23
